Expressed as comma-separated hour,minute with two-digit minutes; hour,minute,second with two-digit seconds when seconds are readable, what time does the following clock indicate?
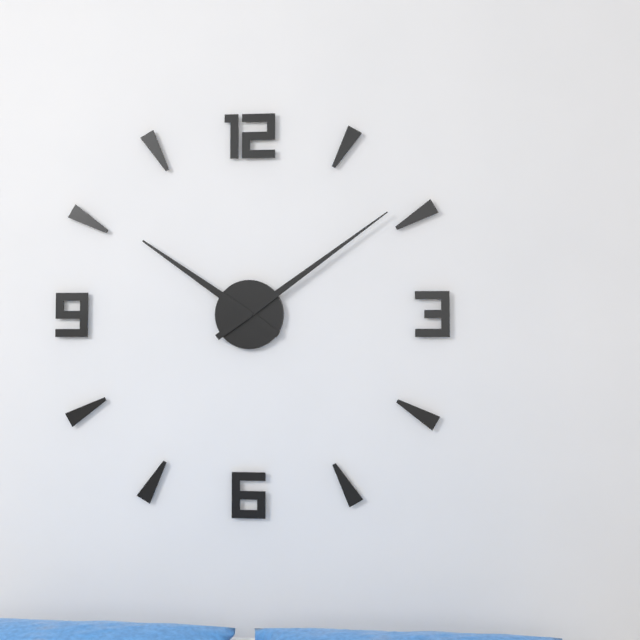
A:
10,09
